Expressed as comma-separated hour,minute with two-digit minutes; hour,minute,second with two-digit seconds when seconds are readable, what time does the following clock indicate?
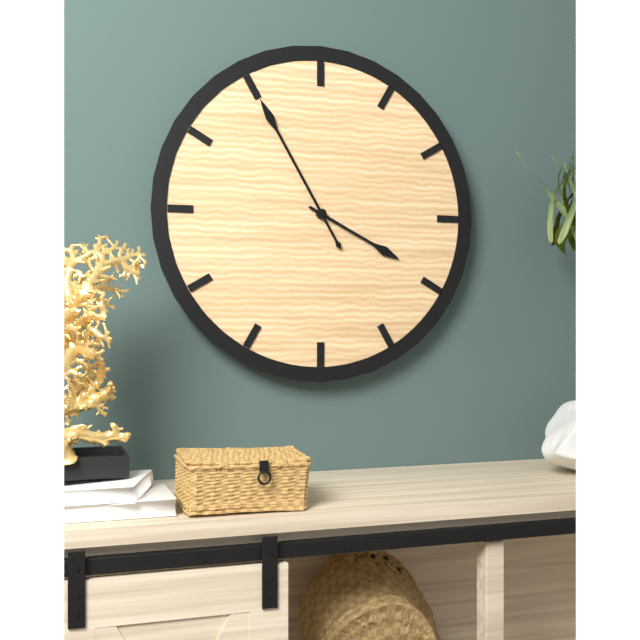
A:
3,55
